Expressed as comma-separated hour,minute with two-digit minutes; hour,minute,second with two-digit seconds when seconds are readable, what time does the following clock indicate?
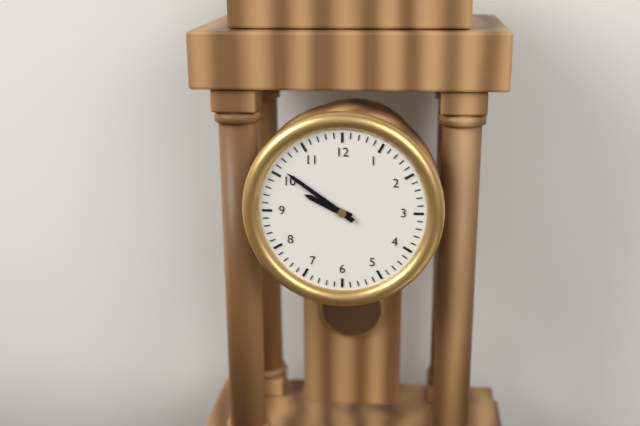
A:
9,51
